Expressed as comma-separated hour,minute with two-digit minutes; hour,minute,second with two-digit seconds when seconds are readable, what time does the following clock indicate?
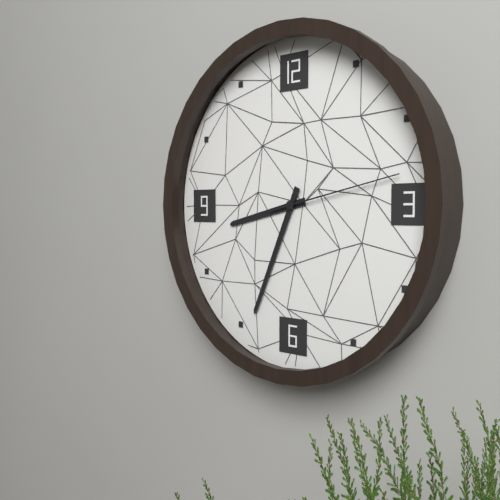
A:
8,34,13
